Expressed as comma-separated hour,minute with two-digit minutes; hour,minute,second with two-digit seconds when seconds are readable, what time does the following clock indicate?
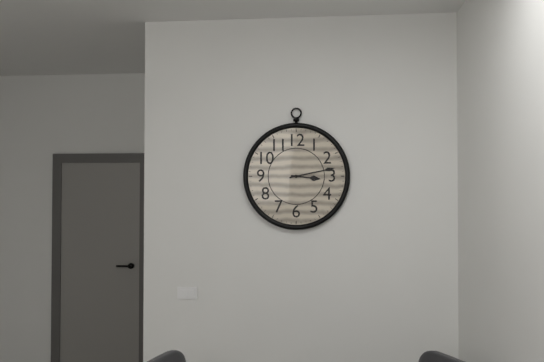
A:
3,13
